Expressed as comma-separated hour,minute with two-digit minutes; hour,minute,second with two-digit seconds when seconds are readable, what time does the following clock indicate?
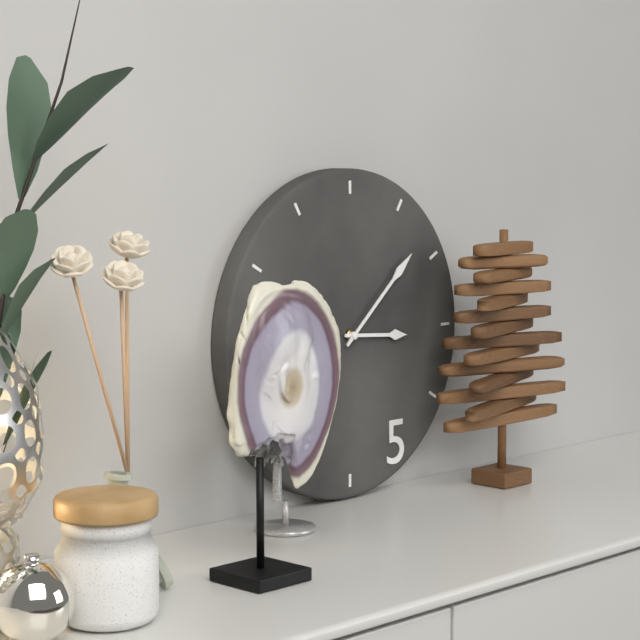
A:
3,08
